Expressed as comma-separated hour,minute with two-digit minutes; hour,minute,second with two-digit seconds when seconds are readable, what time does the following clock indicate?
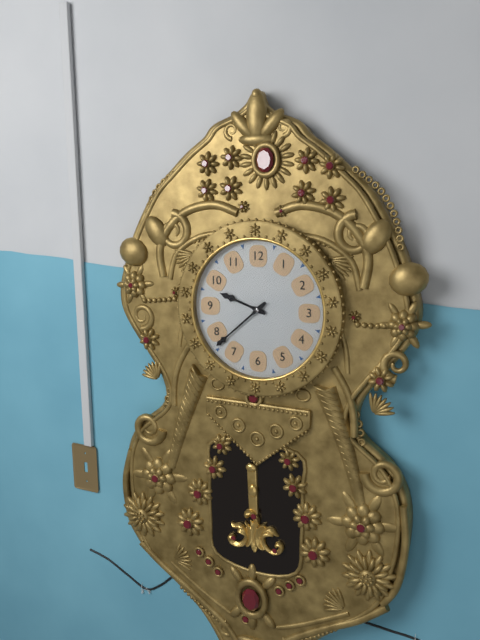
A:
9,38
